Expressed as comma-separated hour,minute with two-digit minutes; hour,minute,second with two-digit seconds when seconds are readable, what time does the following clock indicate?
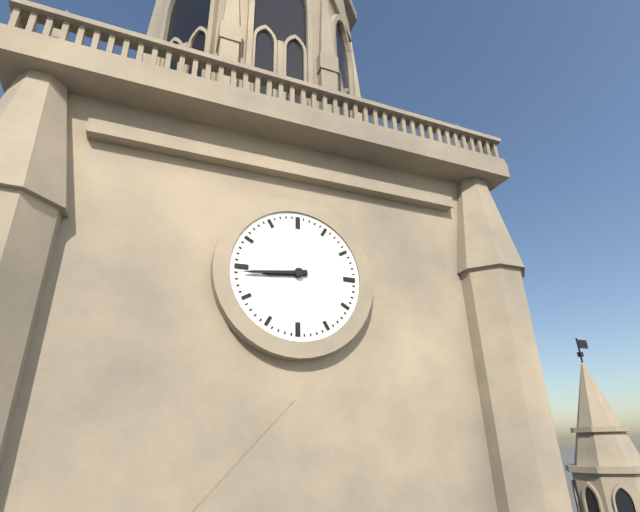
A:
8,44
